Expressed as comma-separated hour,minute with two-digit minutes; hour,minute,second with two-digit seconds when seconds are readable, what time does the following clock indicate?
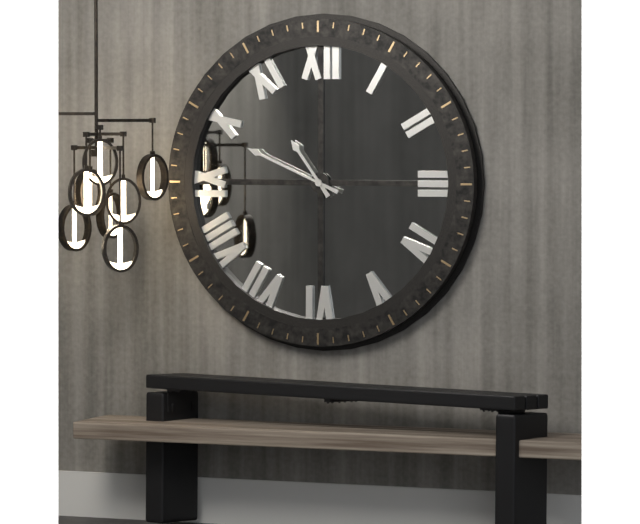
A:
10,49
